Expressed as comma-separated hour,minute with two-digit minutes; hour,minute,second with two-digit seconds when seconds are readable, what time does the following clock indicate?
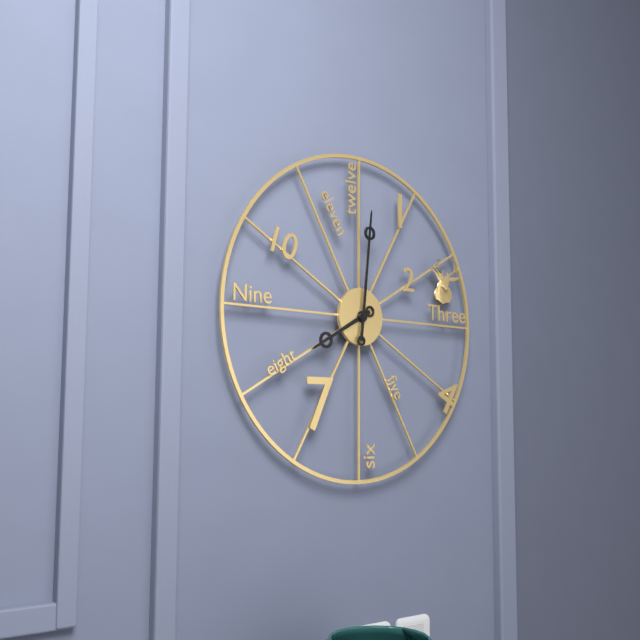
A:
8,01
